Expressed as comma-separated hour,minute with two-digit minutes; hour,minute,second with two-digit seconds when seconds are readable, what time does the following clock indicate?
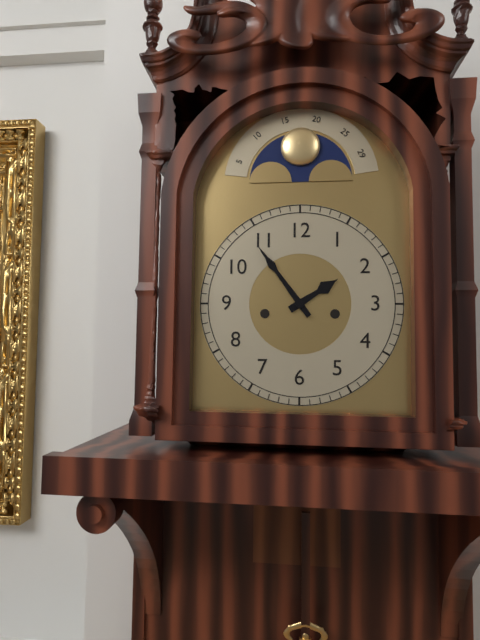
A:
1,54
